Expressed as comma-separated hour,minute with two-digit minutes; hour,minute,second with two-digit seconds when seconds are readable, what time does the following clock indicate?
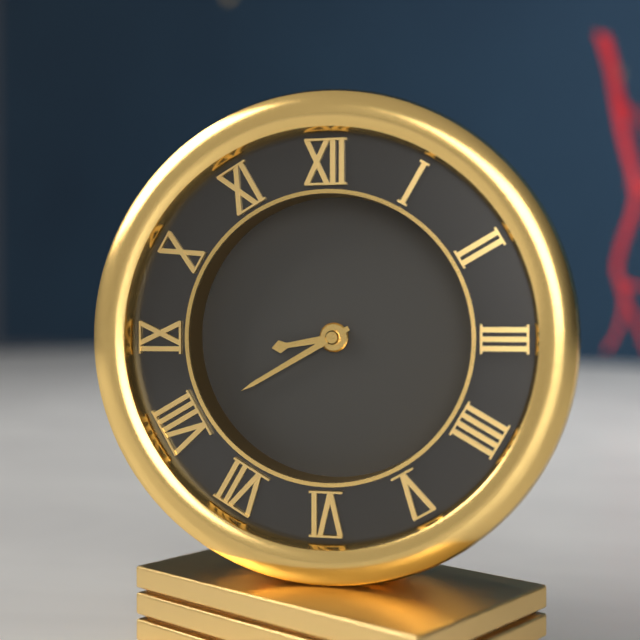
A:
8,40
